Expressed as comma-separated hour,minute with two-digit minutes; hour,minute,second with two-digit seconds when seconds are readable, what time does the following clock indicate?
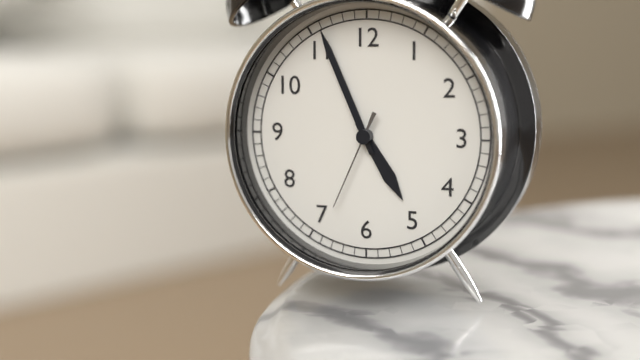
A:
4,56,34
